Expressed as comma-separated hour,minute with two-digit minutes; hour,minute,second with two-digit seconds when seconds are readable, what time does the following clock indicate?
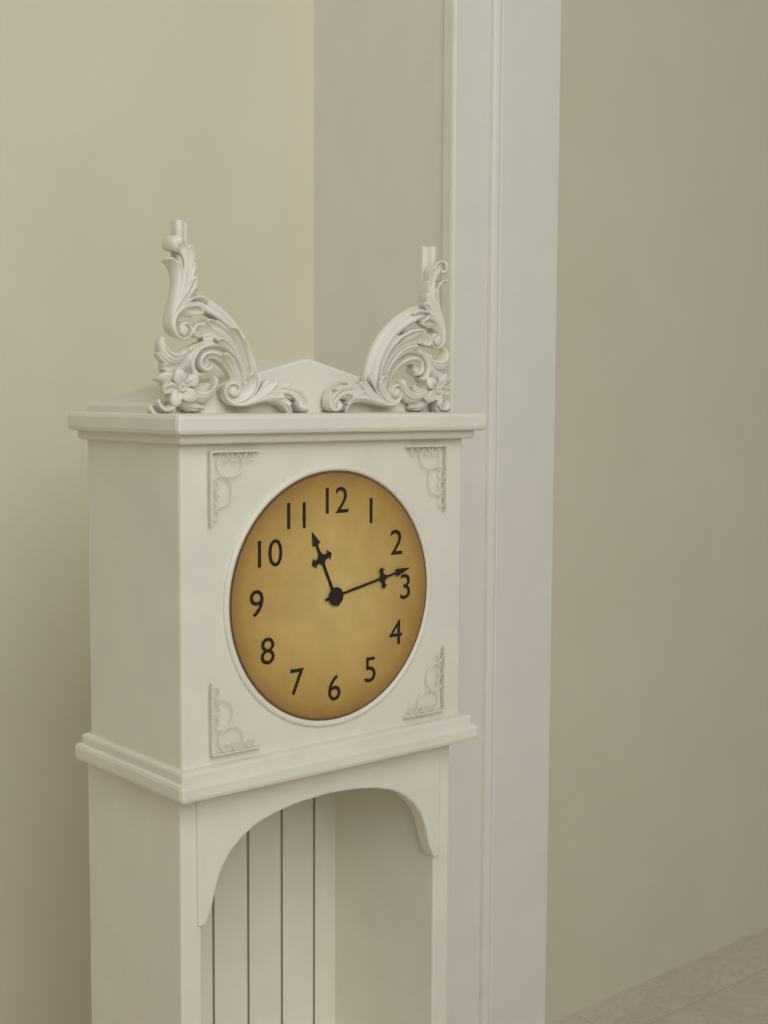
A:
11,13
